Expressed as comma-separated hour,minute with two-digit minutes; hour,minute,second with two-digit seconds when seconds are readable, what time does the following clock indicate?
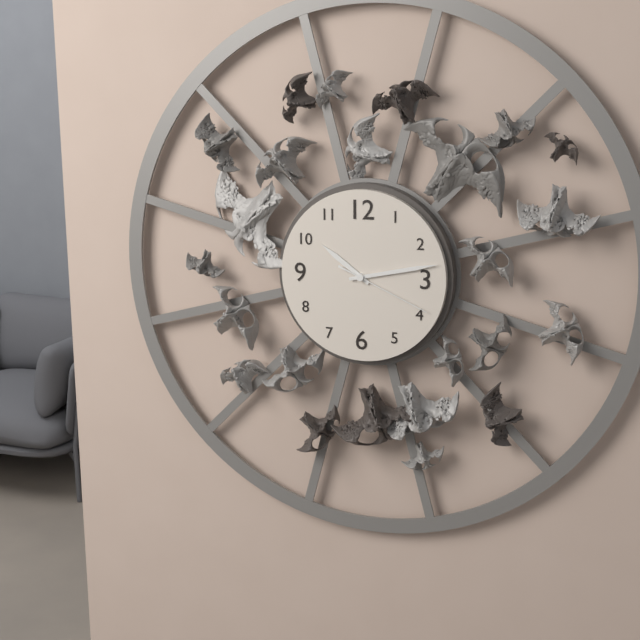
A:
10,13,19
